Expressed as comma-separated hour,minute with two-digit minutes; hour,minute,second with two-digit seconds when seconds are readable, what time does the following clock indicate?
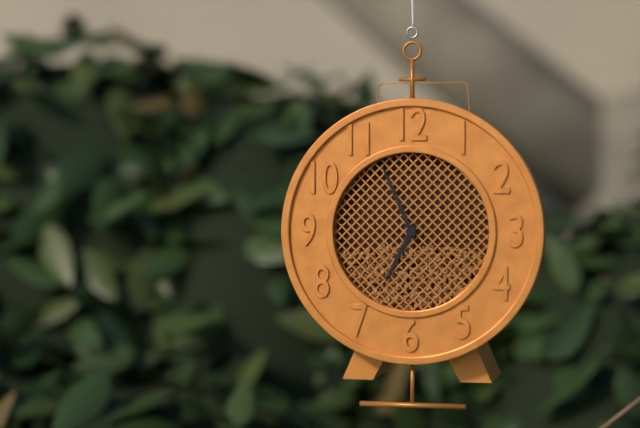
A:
6,56
